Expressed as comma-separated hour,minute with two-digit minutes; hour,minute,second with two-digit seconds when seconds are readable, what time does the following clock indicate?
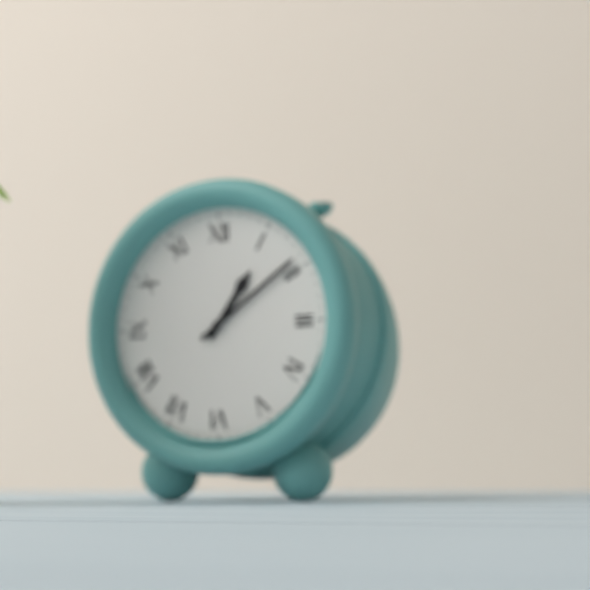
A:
1,09
